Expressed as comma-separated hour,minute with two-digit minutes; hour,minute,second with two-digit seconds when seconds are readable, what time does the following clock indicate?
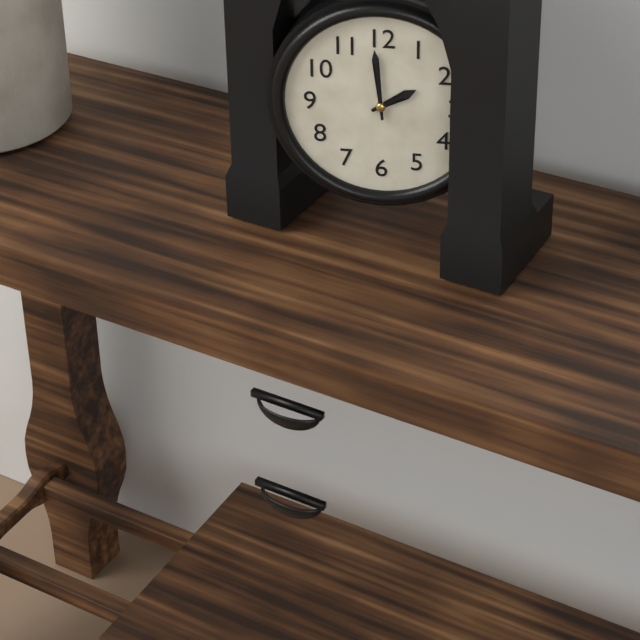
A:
1,59
